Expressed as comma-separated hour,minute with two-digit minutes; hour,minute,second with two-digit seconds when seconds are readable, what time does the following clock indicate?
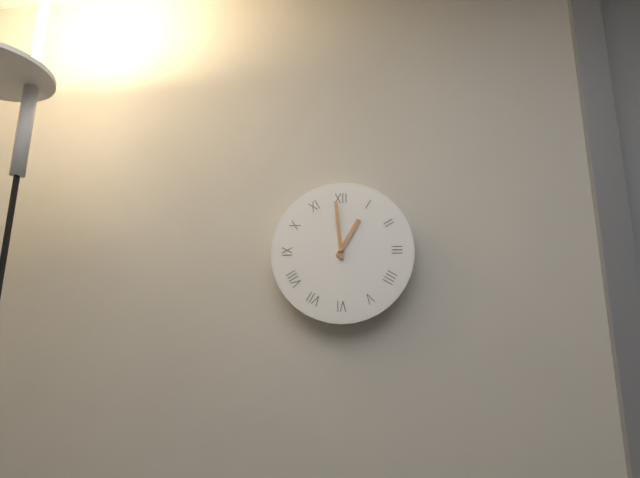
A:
12,59
